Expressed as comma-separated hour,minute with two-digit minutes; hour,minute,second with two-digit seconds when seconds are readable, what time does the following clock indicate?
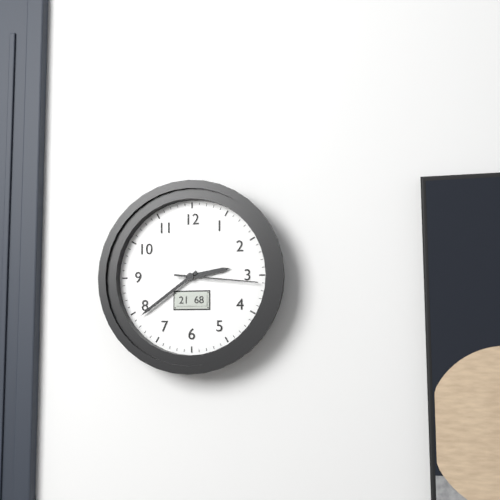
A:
2,39,16
